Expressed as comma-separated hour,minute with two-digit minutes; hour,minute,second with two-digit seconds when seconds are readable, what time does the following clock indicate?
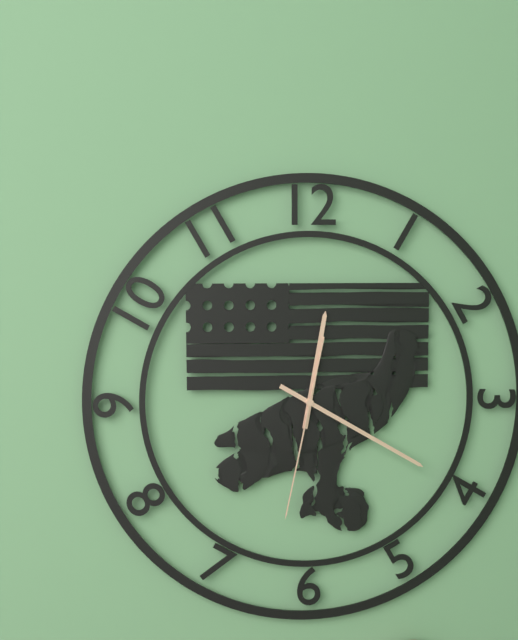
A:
12,20,32
